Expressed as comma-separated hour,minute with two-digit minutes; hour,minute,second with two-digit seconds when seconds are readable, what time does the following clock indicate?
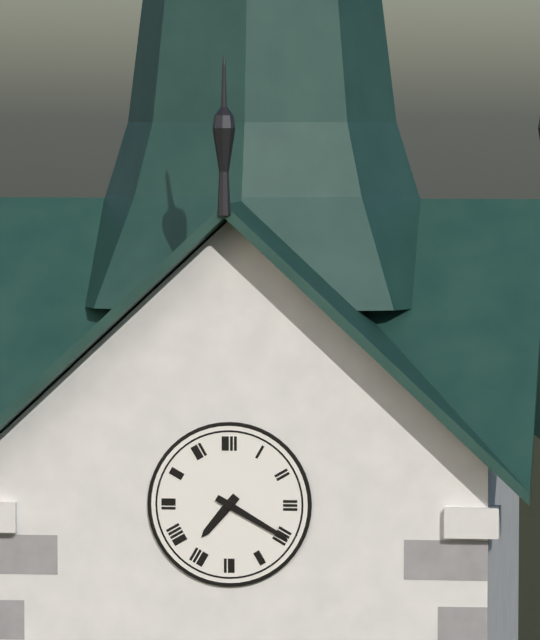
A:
7,20
